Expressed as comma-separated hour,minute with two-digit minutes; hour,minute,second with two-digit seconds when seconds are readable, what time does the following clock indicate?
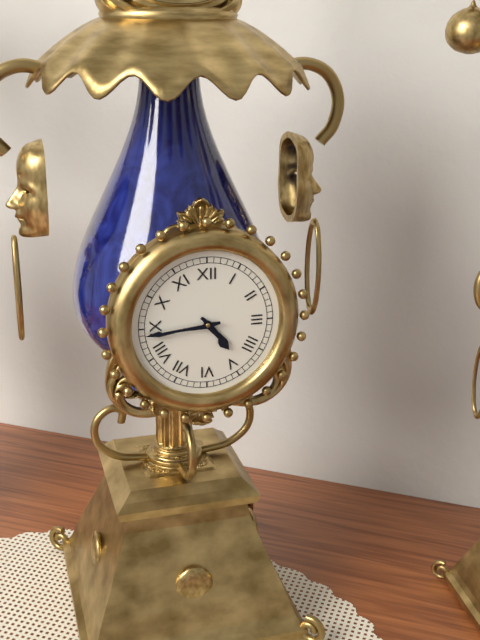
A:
4,44
